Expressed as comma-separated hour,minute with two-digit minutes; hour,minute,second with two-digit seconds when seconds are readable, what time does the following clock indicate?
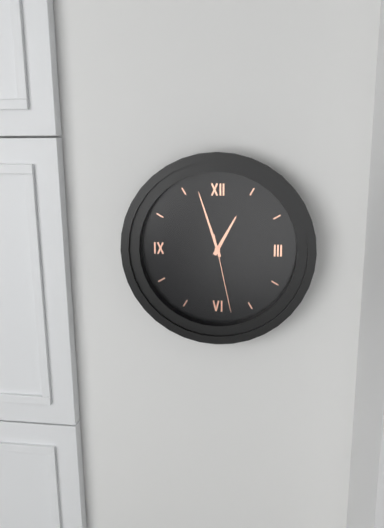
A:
12,57,28
